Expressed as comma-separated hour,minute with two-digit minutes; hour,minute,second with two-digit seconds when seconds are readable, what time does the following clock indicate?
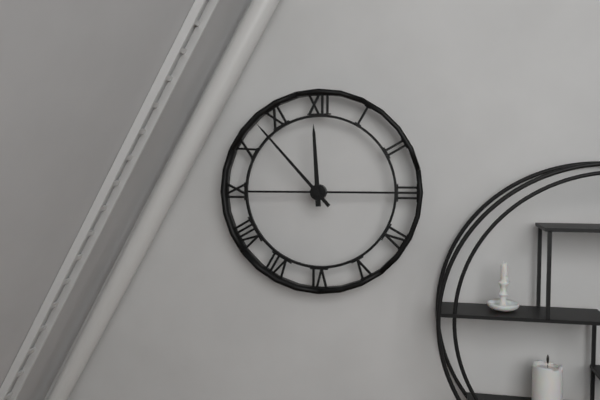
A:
11,53
